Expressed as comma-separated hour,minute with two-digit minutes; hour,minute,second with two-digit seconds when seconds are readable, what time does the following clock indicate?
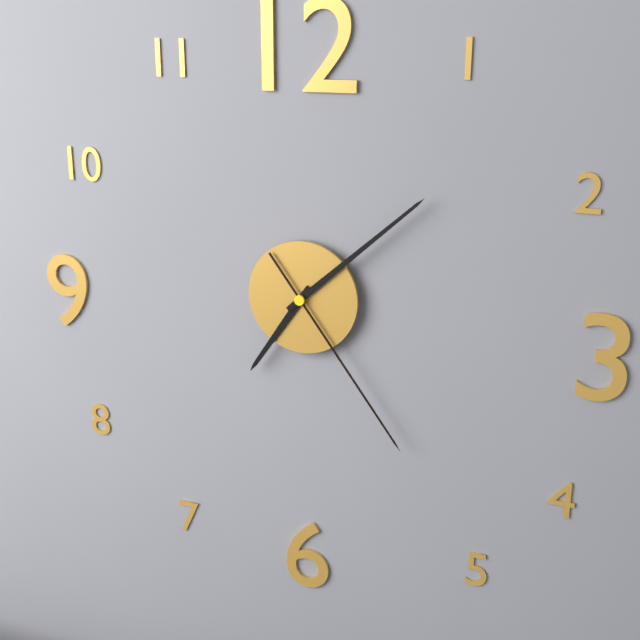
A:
7,08,24
